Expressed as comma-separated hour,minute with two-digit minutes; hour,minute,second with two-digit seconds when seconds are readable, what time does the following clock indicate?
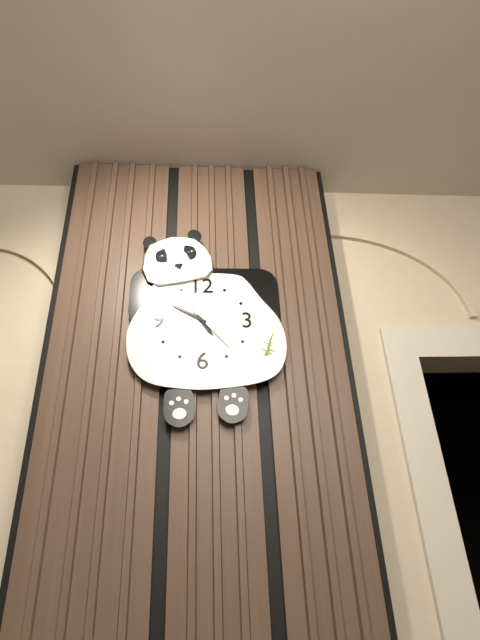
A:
4,50,23
